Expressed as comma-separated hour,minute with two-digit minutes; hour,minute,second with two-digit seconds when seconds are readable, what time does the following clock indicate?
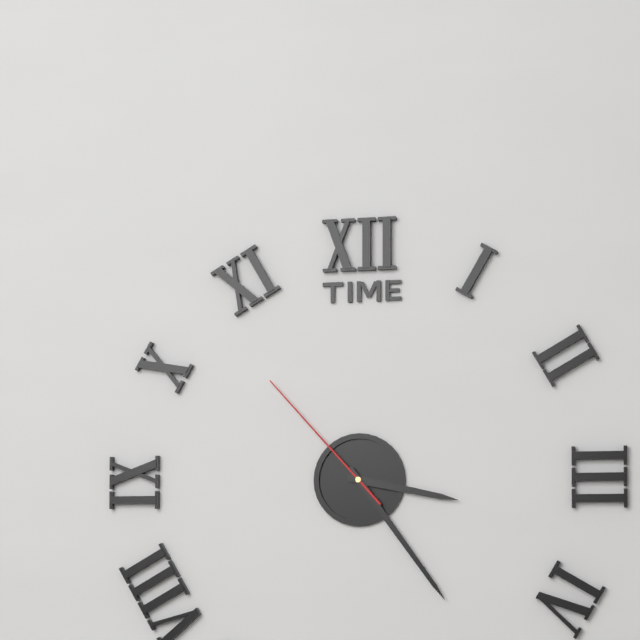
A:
3,24,53
